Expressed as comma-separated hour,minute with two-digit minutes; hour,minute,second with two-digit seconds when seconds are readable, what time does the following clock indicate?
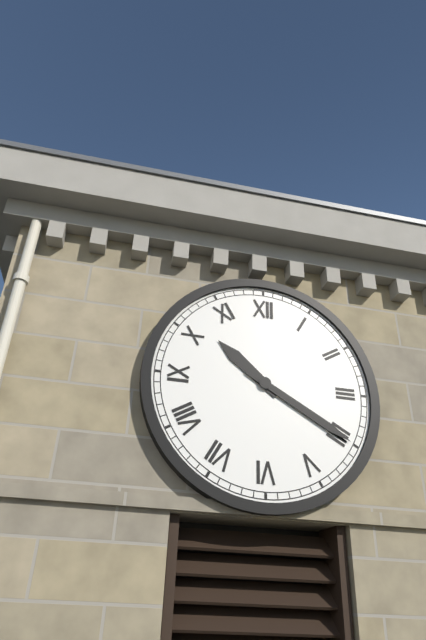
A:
10,20
